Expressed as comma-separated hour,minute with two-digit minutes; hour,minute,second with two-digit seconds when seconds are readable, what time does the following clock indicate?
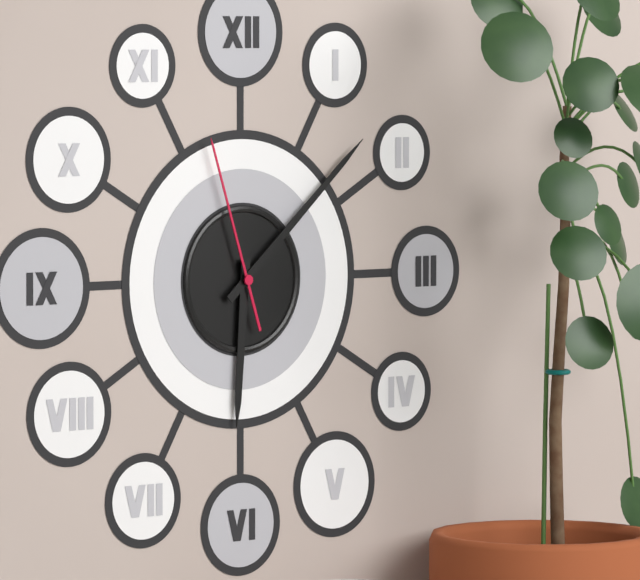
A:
6,08,57
